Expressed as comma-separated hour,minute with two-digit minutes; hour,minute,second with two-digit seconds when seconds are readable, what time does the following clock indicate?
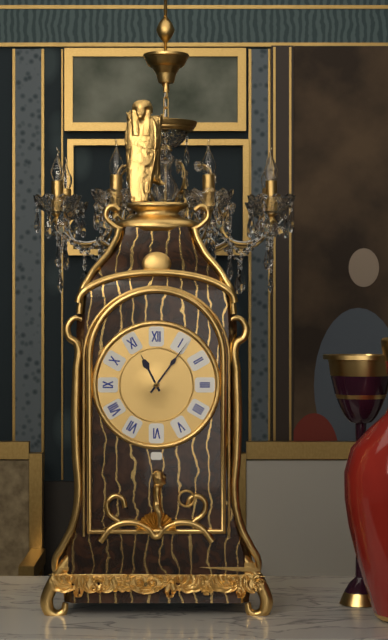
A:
11,06
